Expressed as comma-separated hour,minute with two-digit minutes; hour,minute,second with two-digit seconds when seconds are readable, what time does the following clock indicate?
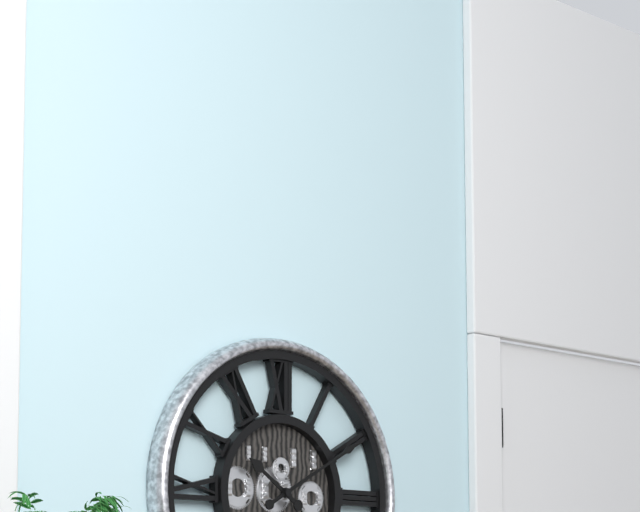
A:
10,10
